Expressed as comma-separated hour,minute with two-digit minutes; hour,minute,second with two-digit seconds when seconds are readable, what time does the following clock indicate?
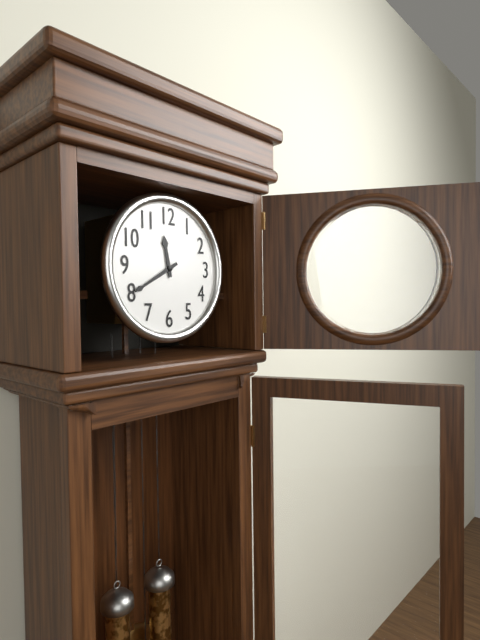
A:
11,40
